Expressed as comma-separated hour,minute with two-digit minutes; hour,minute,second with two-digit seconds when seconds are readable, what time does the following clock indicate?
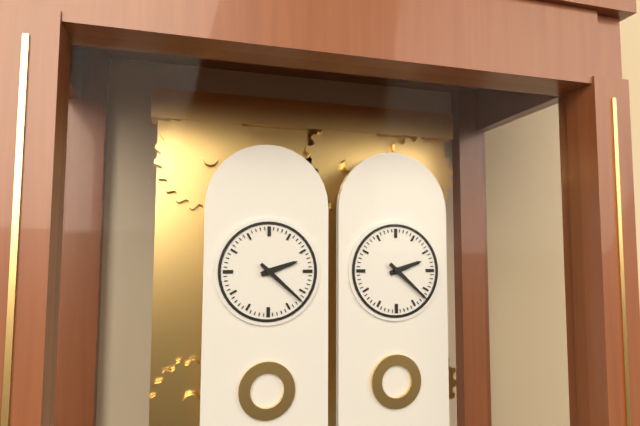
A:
2,22
